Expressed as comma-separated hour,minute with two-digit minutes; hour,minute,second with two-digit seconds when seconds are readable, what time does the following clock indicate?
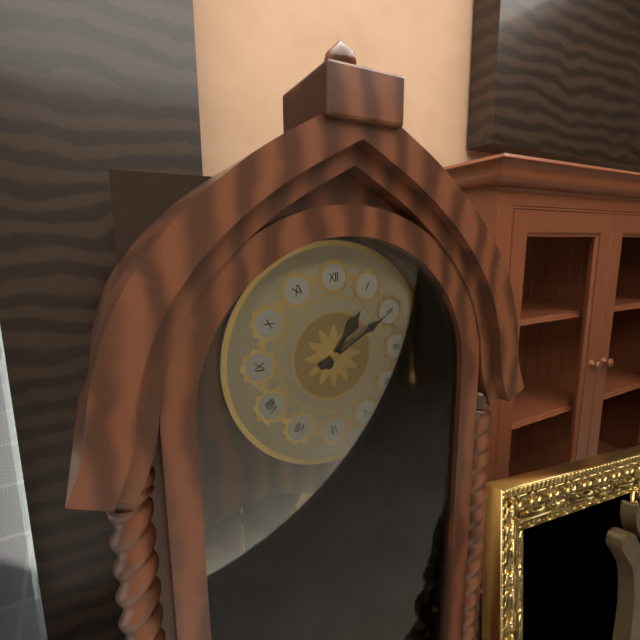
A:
1,10
